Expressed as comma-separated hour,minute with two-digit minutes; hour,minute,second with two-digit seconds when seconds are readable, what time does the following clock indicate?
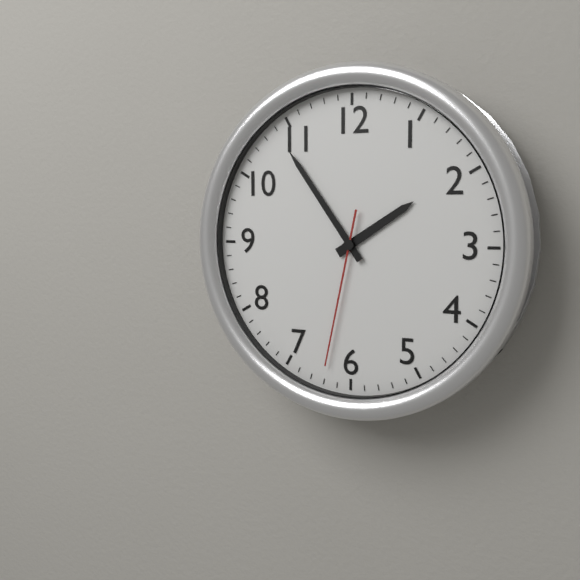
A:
1,54,32
